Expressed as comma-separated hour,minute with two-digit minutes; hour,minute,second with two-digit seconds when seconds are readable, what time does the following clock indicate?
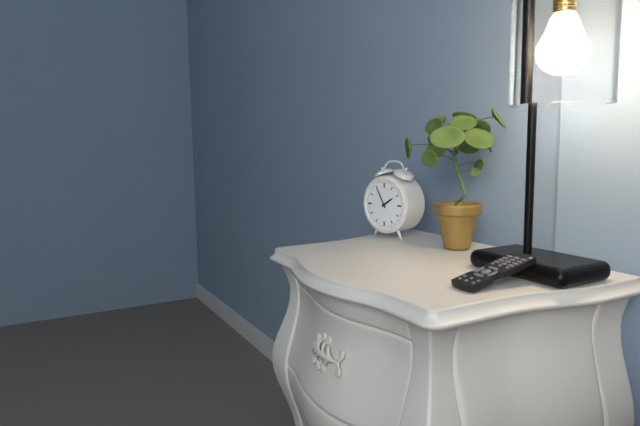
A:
1,55
